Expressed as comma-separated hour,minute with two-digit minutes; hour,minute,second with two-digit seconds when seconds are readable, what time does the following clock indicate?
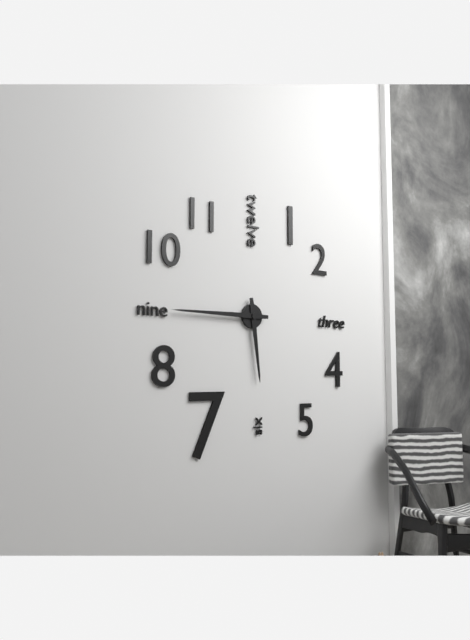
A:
5,45
